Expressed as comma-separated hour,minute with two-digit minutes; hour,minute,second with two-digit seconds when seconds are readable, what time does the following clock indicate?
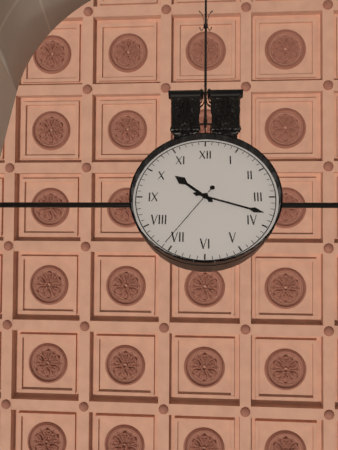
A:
10,18,36
